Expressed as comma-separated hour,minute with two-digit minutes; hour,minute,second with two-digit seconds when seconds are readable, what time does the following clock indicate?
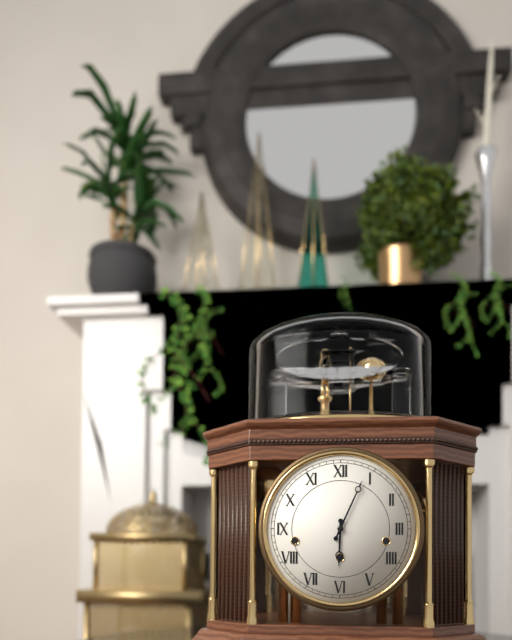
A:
6,04
